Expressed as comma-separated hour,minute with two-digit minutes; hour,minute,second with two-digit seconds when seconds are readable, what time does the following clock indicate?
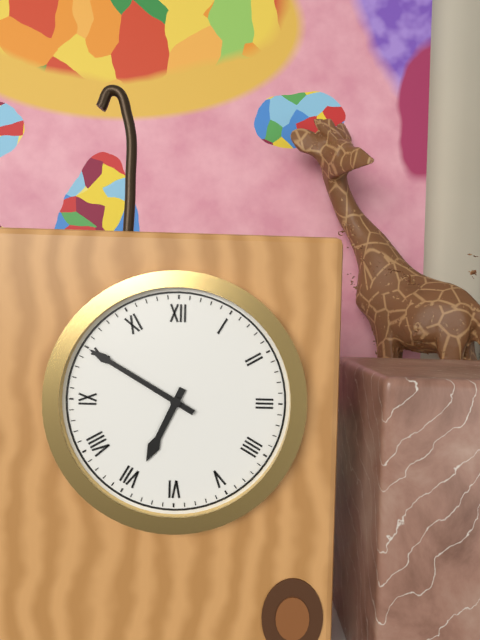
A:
6,50
